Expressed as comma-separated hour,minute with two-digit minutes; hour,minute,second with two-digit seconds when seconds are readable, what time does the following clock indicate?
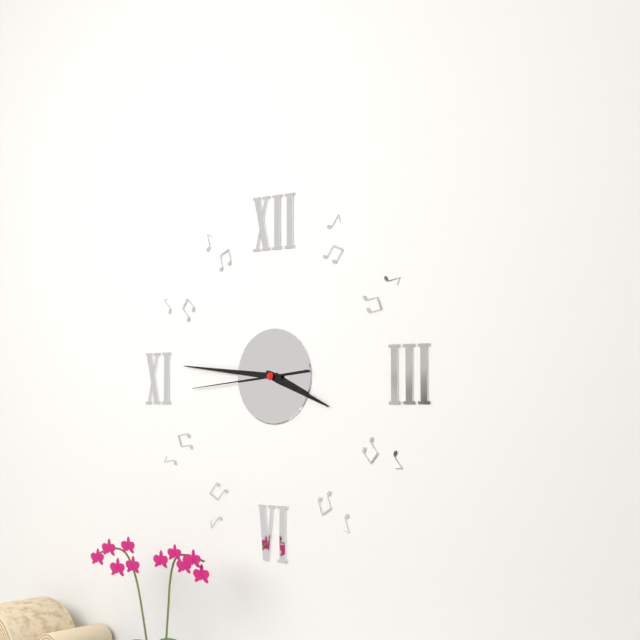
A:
3,46,44
